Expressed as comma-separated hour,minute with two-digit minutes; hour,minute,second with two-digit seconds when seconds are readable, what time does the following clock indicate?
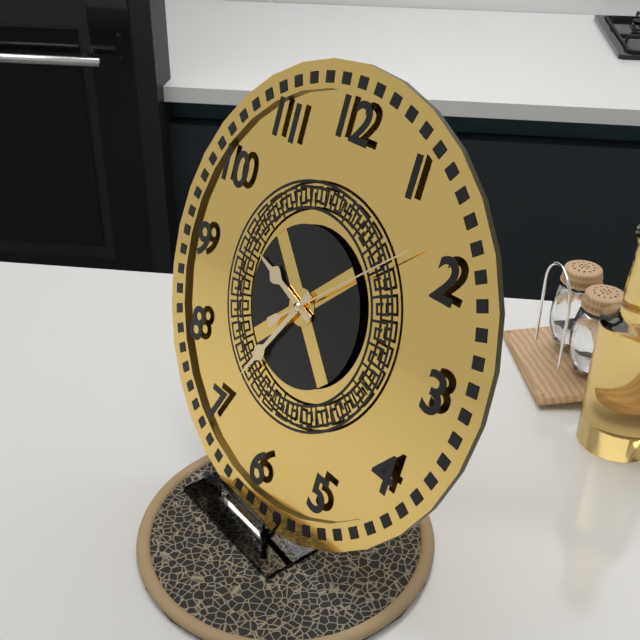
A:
9,35,08
